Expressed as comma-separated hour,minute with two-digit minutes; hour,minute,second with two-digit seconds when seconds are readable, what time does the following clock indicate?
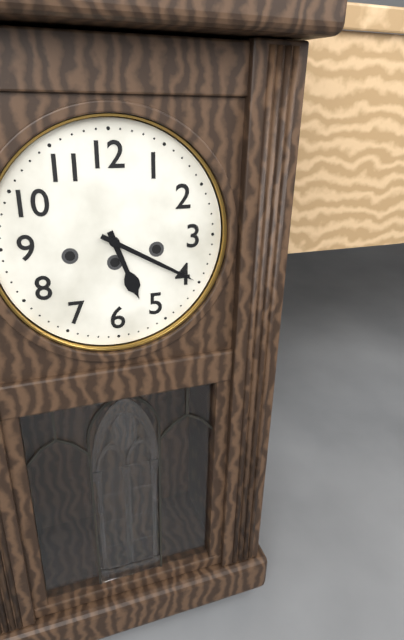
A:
5,20
